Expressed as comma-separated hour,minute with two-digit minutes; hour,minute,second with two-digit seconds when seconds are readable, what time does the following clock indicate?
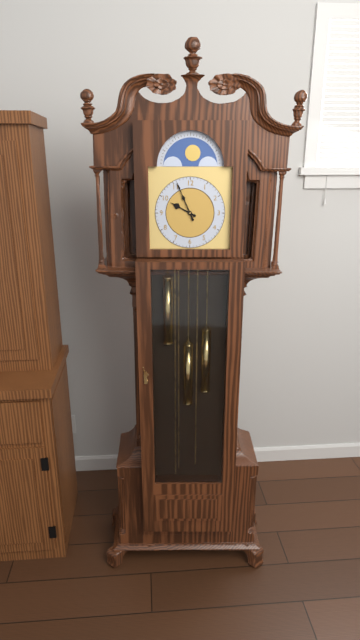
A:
9,56
